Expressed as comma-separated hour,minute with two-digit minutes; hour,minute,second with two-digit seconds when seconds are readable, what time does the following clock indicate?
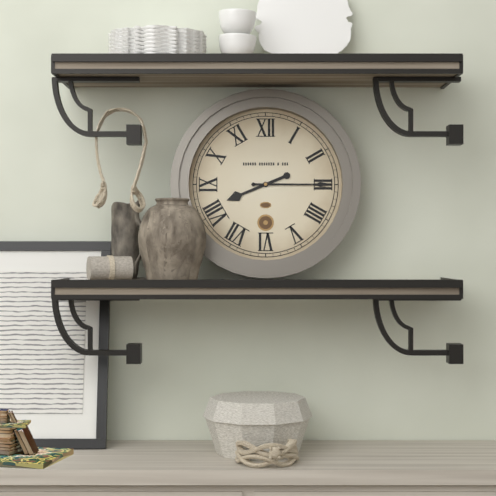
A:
8,15
